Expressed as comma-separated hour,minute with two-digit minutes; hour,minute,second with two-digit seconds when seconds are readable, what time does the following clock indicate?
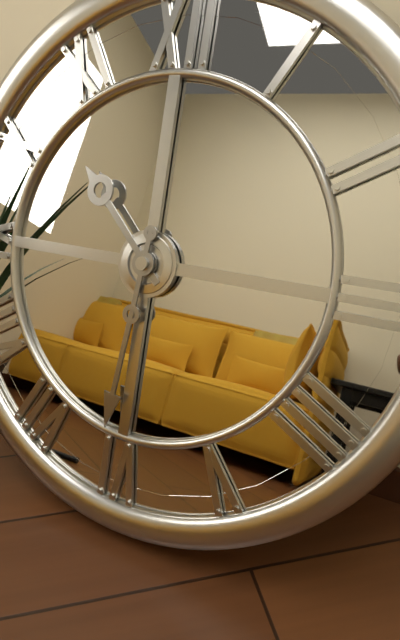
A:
10,31
